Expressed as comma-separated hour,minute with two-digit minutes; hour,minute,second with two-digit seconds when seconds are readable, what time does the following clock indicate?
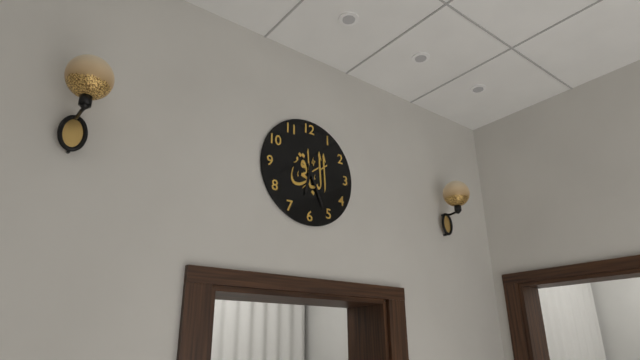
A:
6,26
